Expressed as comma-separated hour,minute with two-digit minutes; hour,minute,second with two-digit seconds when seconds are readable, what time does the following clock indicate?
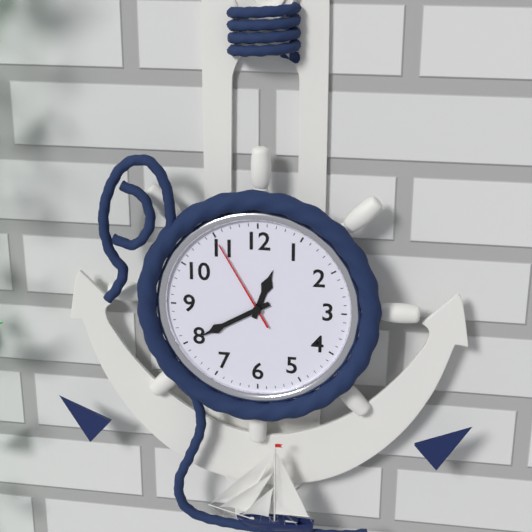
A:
12,40,55
